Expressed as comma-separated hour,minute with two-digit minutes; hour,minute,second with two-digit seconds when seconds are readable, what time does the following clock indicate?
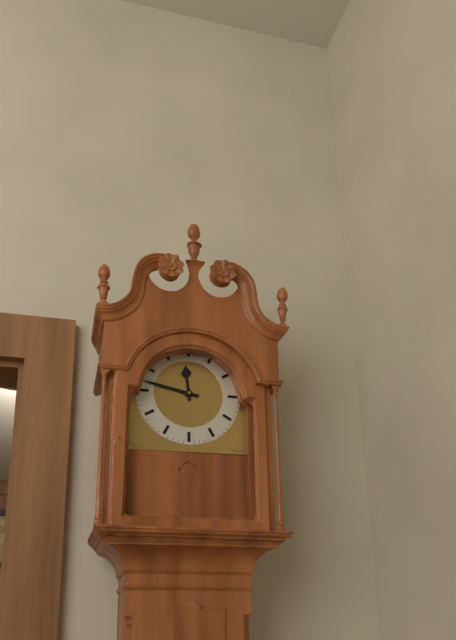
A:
11,47
